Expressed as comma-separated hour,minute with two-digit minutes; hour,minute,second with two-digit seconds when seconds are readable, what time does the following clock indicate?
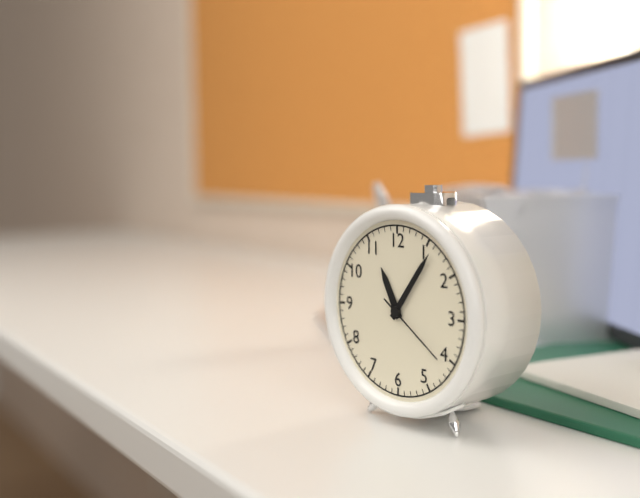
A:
11,06,21
